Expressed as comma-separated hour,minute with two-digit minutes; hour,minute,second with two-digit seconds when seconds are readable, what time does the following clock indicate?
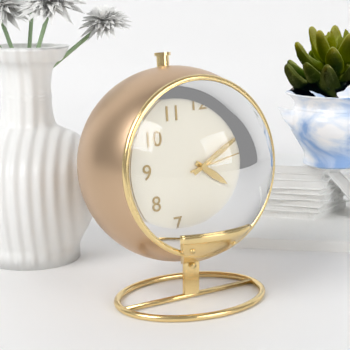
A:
4,10,13
